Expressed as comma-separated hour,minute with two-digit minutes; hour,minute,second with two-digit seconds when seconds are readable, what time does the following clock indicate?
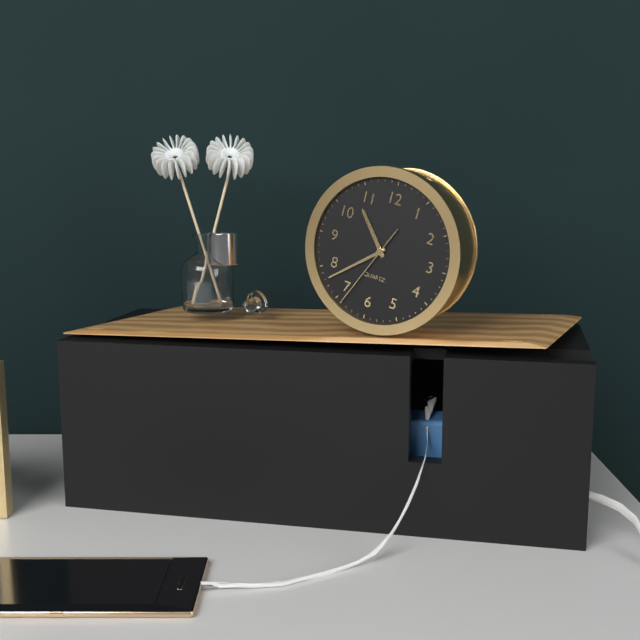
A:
10,38,34
